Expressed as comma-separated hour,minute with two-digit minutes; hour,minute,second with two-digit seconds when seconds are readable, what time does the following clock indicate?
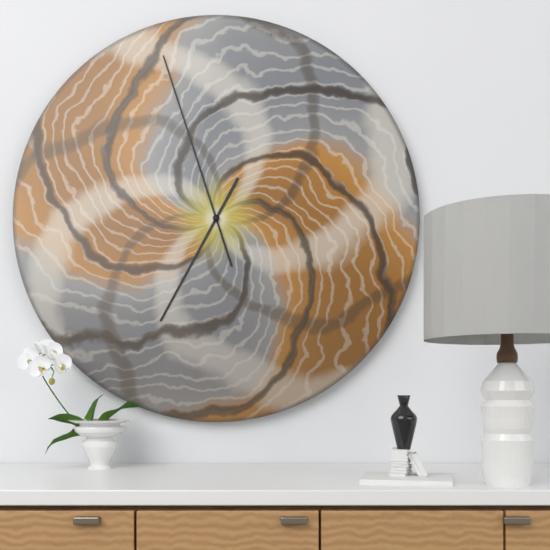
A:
6,57
